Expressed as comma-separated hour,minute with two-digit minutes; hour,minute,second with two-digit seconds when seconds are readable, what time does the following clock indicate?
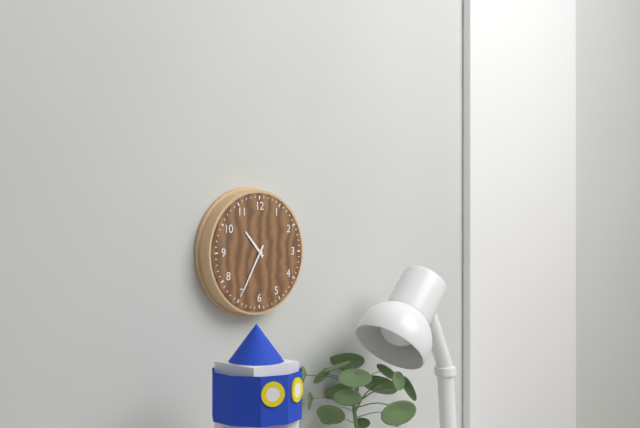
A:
10,35
